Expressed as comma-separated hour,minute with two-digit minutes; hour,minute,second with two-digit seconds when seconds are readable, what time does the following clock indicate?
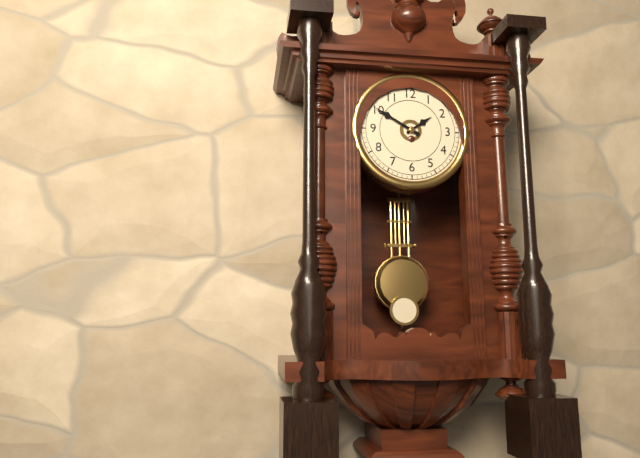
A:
1,50
